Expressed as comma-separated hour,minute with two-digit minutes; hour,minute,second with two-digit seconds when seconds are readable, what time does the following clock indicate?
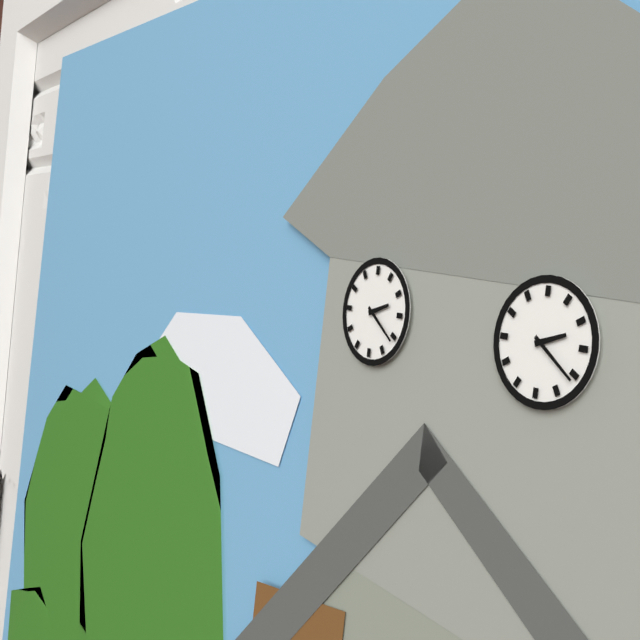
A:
2,21
